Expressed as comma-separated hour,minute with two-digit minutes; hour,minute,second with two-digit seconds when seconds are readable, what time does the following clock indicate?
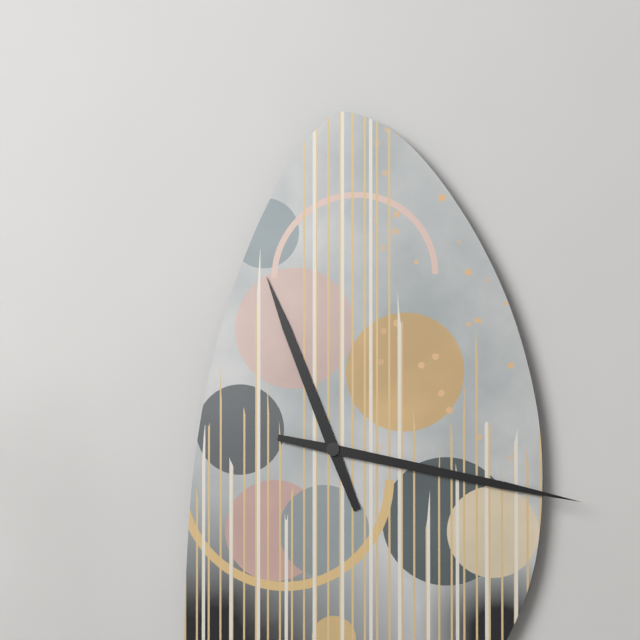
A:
11,17
